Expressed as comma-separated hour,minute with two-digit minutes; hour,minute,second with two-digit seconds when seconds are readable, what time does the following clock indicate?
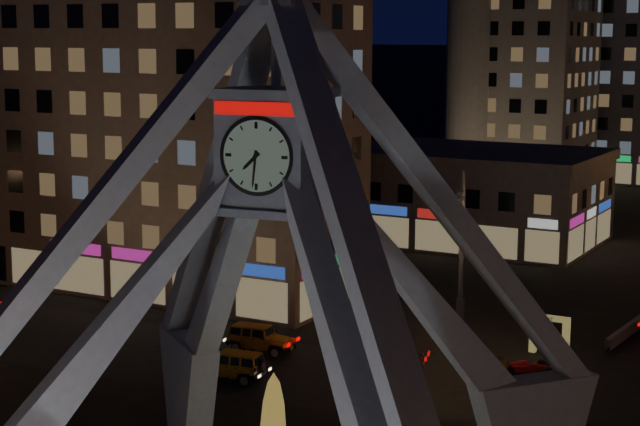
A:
7,31
